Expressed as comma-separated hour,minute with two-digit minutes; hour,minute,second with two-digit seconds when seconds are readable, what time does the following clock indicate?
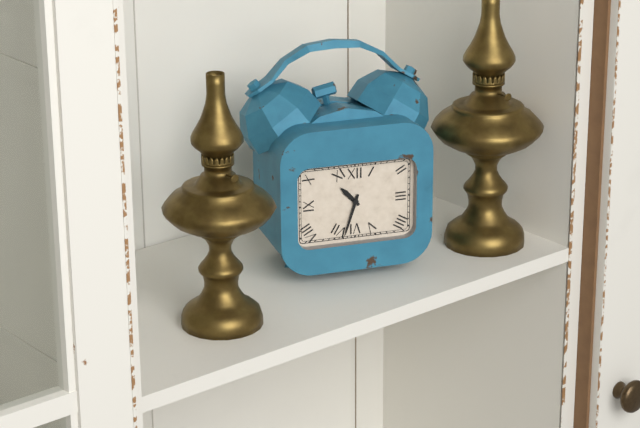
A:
10,33
